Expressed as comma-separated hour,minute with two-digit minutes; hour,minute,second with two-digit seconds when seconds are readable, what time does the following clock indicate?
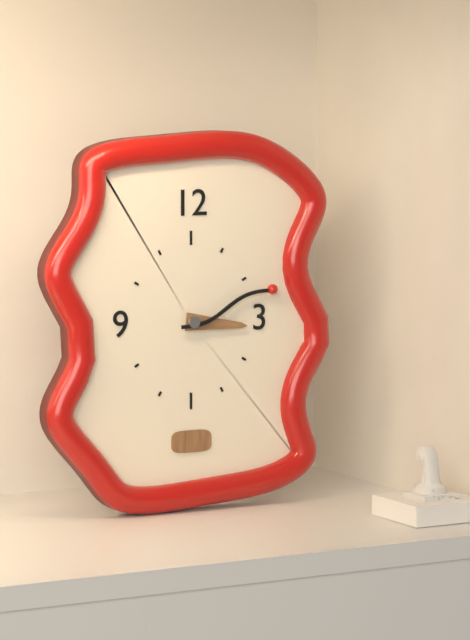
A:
3,12
